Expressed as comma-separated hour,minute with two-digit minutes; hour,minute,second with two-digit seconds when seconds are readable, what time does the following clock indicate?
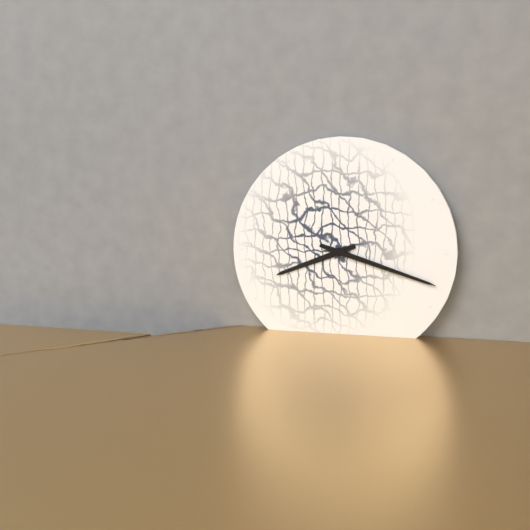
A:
8,18
